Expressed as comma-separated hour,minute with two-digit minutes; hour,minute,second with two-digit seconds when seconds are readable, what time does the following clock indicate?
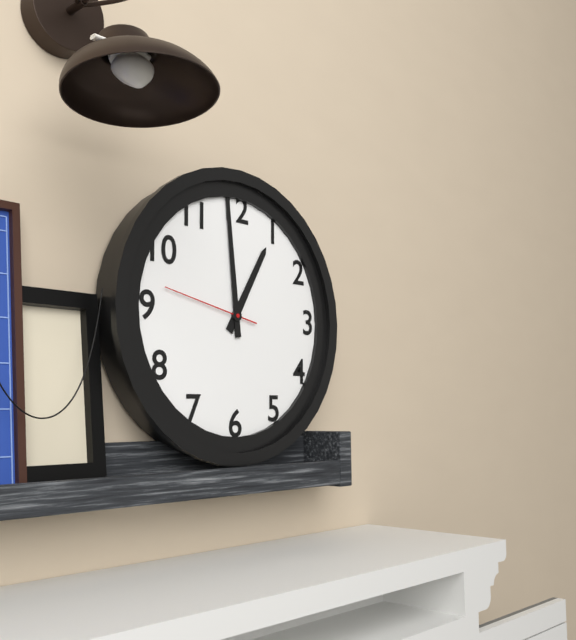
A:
12,59,47
